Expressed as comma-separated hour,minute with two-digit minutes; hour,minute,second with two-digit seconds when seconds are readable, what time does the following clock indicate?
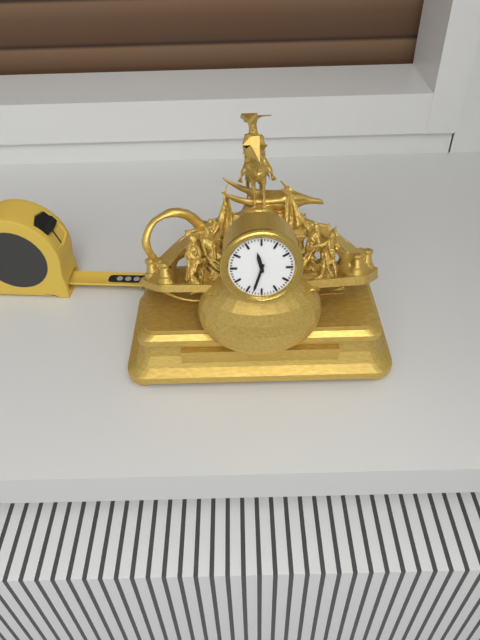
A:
11,33
